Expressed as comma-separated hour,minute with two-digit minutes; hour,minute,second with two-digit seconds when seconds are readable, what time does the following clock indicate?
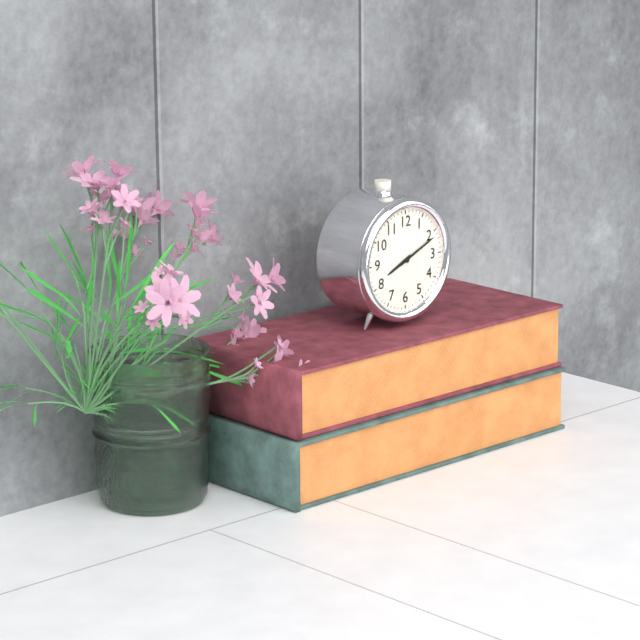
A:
8,11
